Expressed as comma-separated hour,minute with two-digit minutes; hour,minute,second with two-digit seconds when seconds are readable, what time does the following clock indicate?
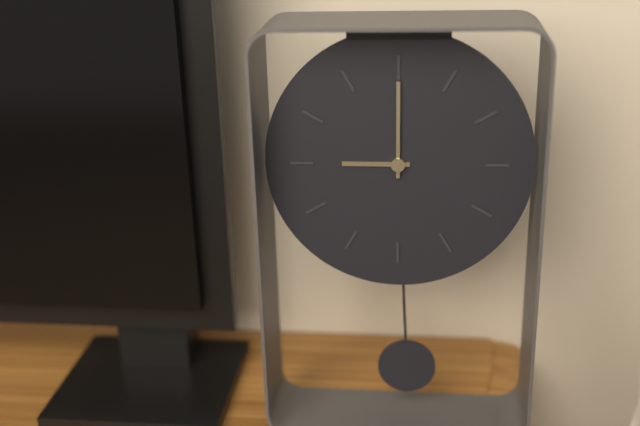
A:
9,00
